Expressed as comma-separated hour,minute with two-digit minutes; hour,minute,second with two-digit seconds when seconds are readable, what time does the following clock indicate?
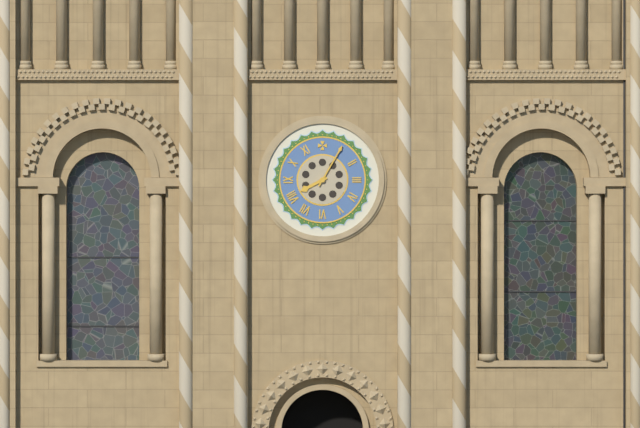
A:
8,05
